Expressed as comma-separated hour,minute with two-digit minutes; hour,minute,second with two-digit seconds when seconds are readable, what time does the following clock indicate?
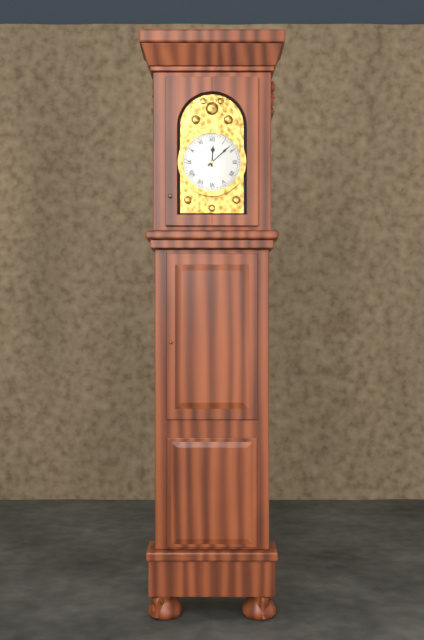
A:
12,08
